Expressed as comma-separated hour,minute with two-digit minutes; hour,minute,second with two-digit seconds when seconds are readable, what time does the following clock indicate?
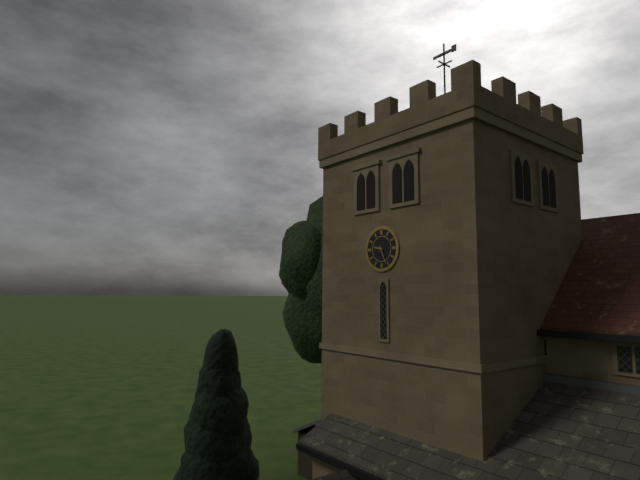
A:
9,26
